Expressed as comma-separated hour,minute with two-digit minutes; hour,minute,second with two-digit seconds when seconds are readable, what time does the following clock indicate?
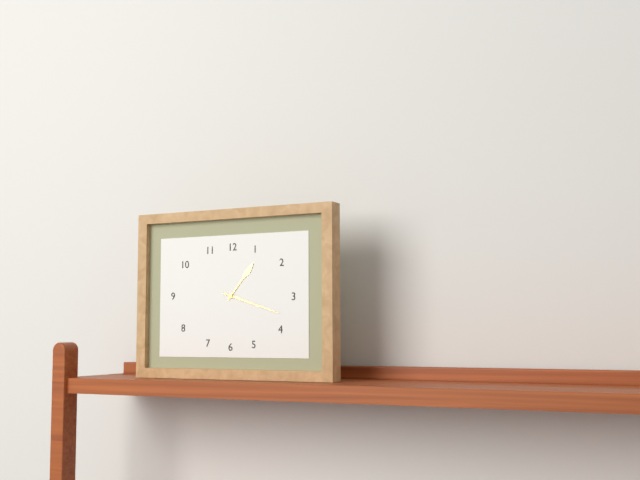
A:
1,18
